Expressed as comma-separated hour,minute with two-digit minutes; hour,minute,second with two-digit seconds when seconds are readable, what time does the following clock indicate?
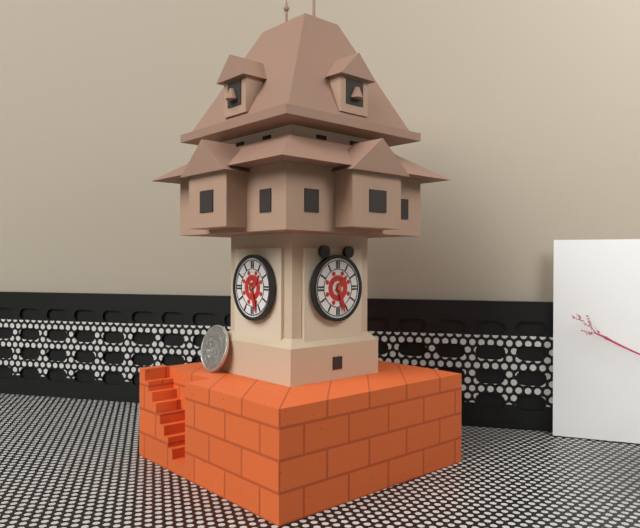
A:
1,27
